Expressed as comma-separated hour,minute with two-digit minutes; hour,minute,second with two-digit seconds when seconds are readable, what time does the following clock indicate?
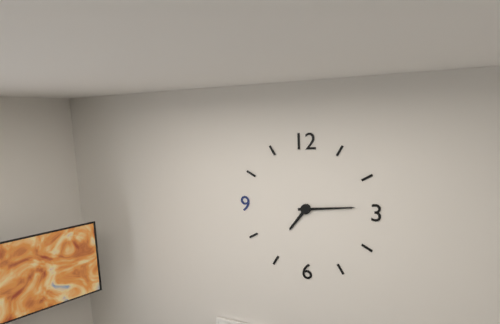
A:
7,14
